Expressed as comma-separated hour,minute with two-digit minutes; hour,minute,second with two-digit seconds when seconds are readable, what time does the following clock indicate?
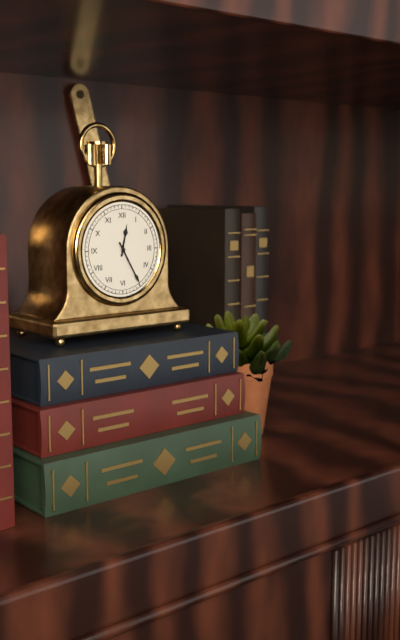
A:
12,25
